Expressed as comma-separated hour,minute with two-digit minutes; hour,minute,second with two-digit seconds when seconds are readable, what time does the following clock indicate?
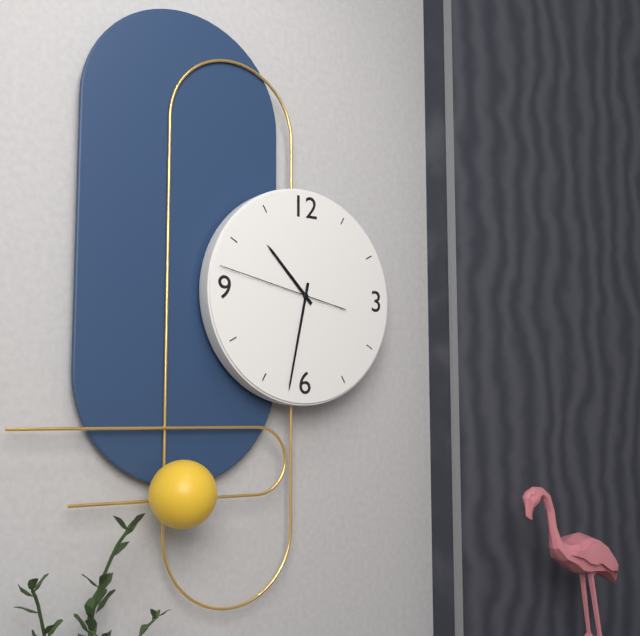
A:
10,32,47
